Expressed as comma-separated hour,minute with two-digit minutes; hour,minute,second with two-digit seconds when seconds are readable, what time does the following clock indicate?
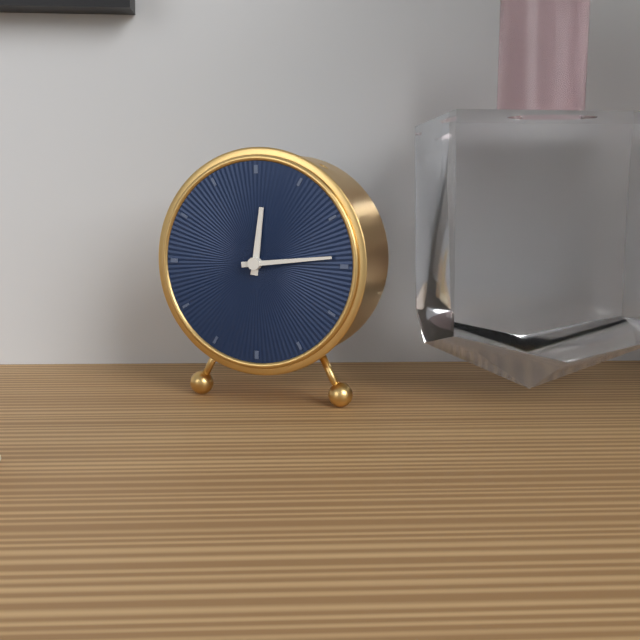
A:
12,14
